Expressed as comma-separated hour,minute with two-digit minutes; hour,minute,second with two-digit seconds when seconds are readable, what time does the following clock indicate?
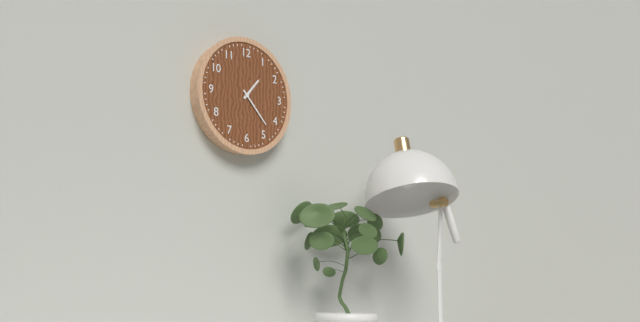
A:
1,23
